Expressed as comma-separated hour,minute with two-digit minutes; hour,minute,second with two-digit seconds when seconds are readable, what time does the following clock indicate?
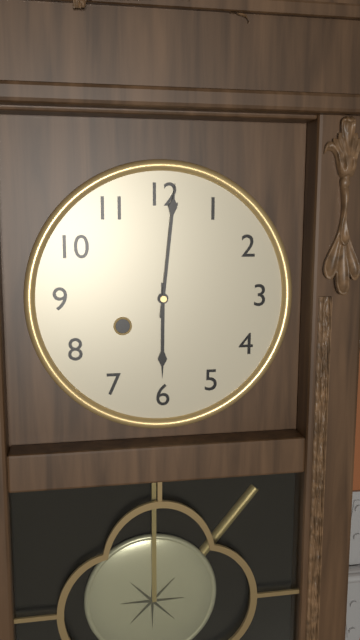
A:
6,01
